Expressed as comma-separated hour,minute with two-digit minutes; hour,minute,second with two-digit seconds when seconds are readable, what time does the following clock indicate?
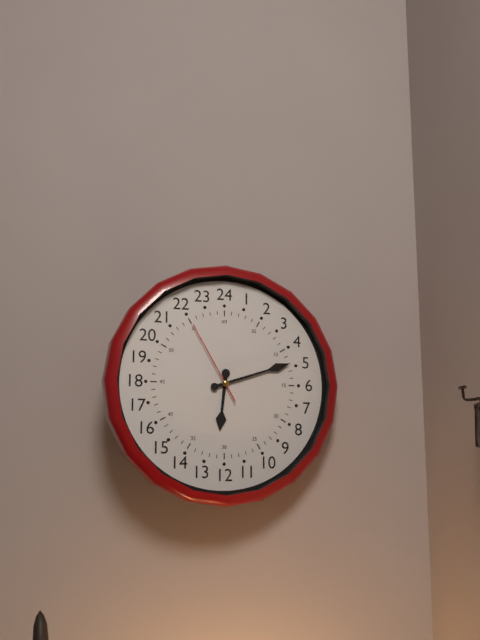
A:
6,12,55
